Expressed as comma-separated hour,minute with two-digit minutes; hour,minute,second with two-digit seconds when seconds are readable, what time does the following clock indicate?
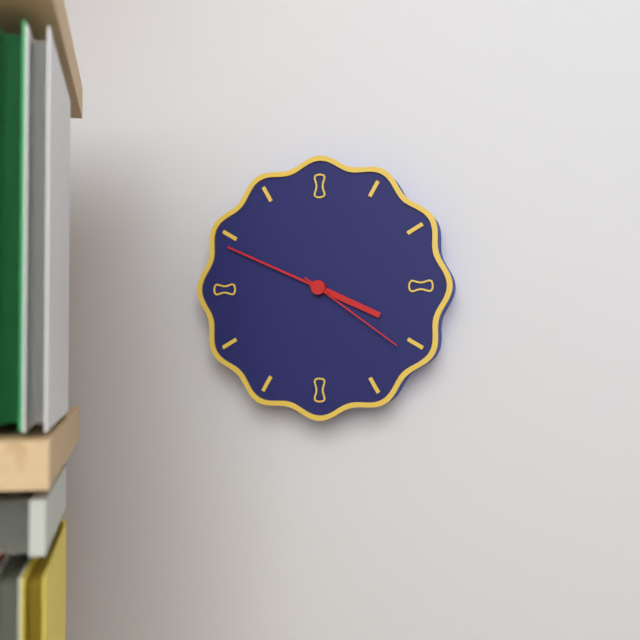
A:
3,49,21
